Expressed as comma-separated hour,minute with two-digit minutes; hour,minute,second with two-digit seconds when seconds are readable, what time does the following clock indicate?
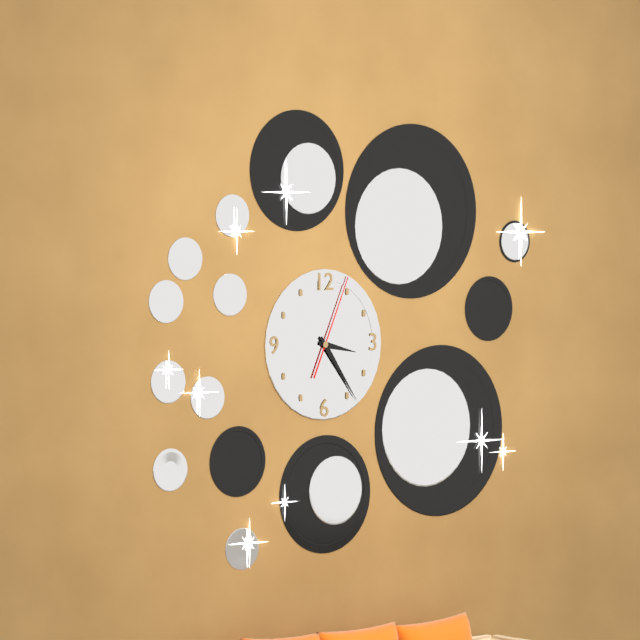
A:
3,24,04
